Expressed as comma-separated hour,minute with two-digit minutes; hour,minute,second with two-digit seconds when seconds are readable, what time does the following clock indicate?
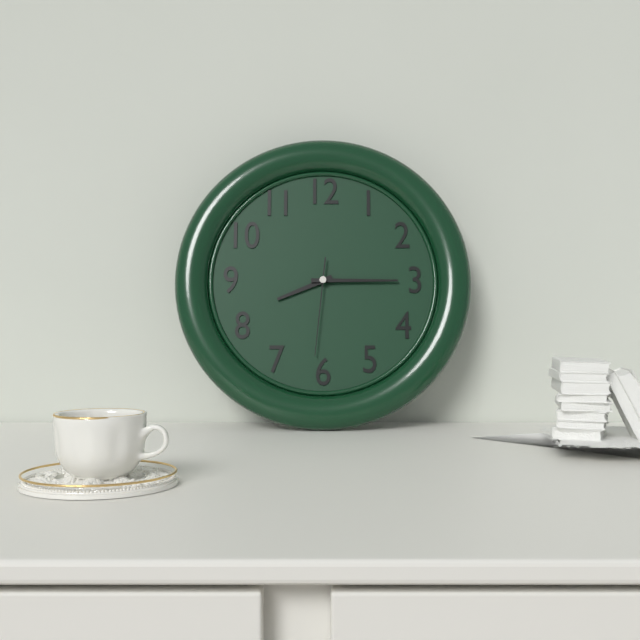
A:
8,15,31
